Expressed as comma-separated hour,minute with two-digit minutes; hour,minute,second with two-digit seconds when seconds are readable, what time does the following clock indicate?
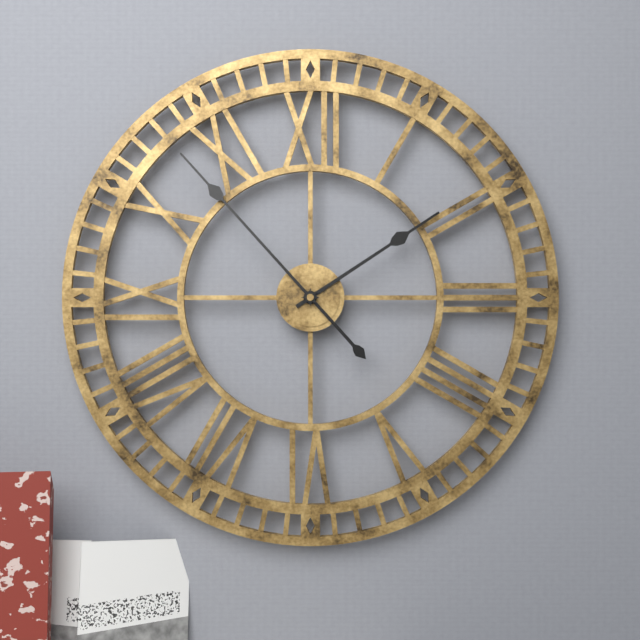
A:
1,53
